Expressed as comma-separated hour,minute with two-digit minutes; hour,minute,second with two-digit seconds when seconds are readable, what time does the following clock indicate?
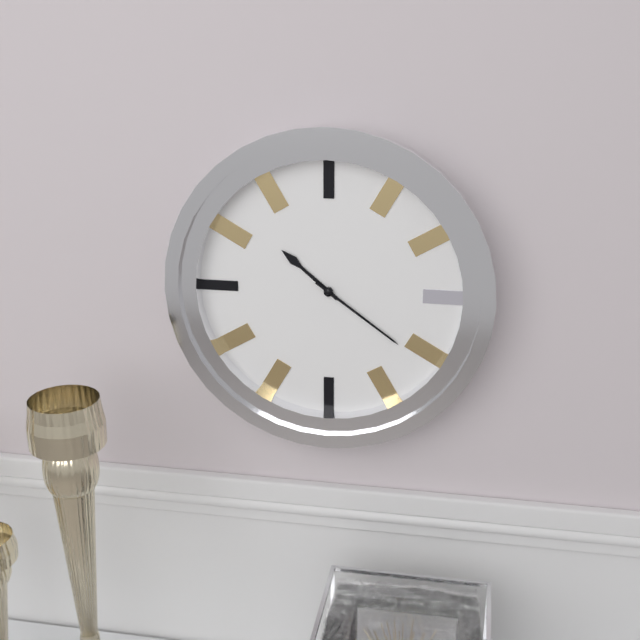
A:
10,21
